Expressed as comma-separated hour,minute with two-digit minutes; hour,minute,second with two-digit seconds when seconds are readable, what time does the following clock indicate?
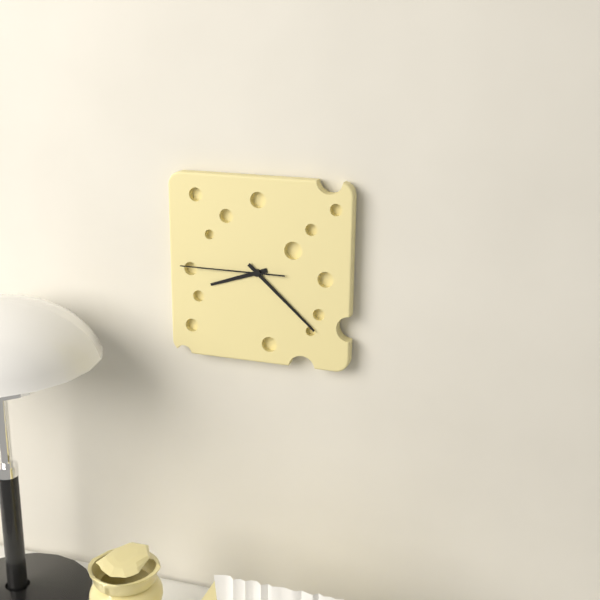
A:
8,22,45
